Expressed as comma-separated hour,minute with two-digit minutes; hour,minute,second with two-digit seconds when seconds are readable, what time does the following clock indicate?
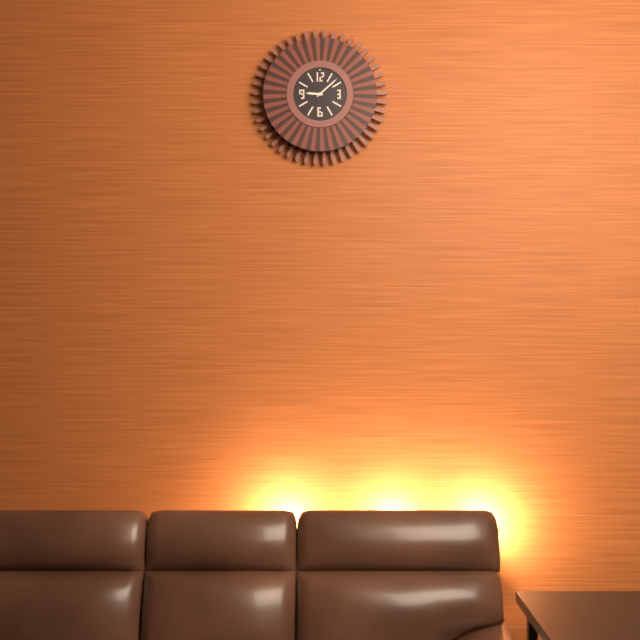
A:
9,08
